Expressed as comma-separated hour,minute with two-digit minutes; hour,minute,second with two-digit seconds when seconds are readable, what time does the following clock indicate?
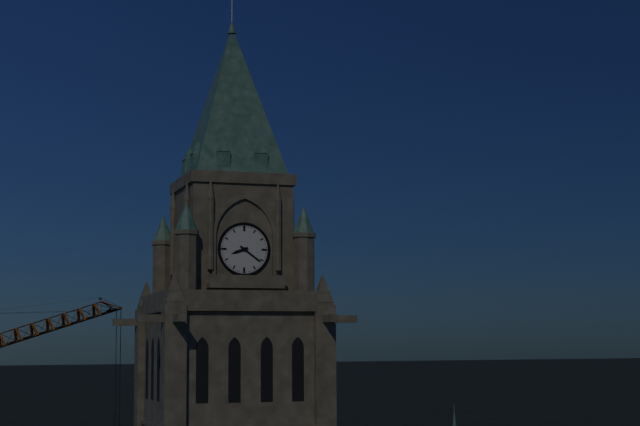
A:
8,21
